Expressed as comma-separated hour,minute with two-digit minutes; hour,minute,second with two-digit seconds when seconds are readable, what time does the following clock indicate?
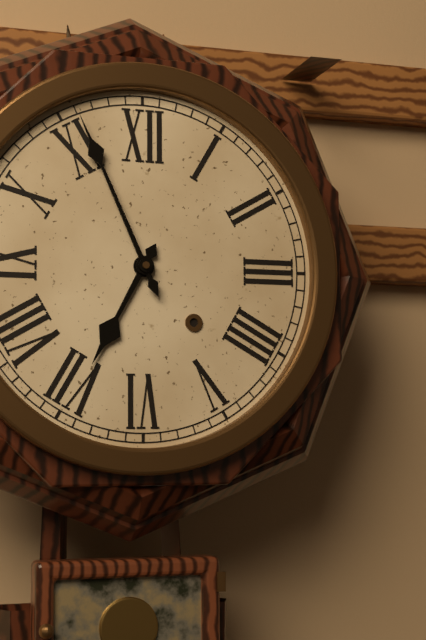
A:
6,56
